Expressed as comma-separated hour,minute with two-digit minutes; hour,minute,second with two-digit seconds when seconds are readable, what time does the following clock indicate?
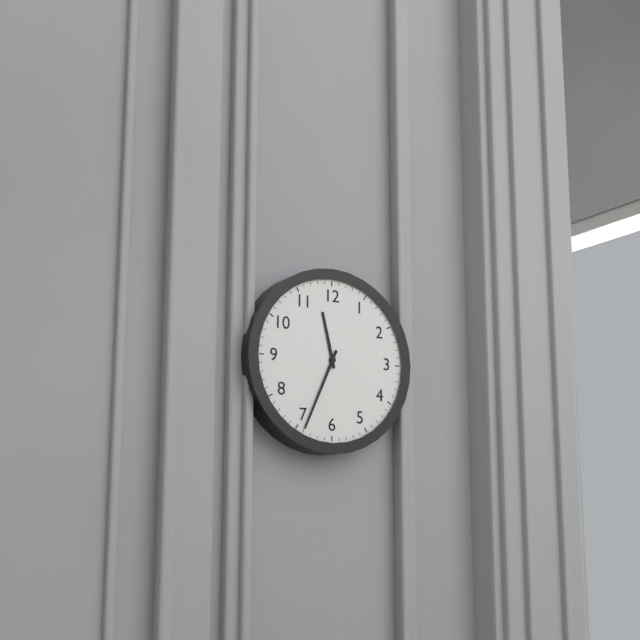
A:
11,34
